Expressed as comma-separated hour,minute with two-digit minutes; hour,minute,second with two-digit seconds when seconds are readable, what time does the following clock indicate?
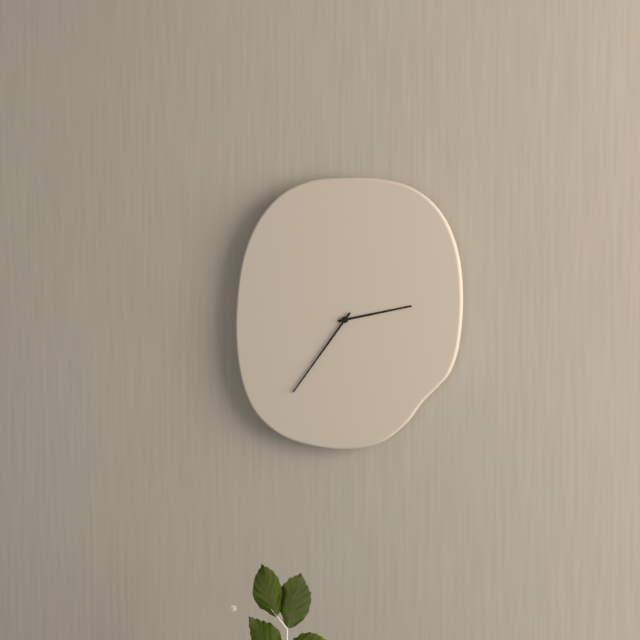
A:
2,36
